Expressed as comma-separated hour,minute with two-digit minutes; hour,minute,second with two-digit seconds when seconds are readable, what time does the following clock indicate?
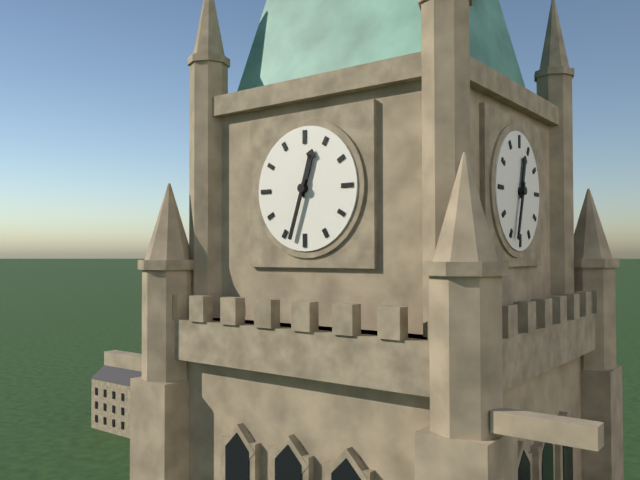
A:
12,33
